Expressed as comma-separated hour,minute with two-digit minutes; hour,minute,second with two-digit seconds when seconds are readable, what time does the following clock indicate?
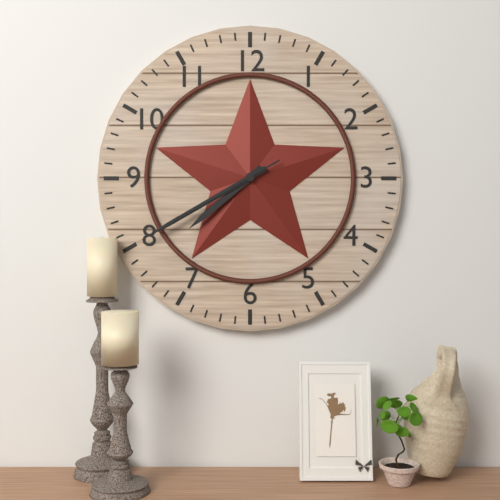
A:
7,40,40
